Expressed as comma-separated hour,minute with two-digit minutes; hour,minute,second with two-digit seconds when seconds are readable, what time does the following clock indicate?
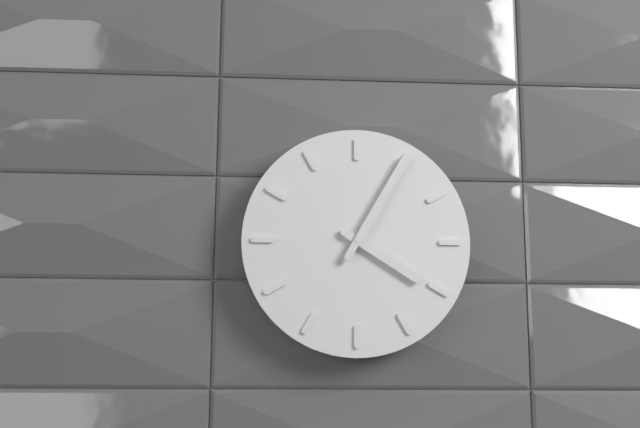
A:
4,05
